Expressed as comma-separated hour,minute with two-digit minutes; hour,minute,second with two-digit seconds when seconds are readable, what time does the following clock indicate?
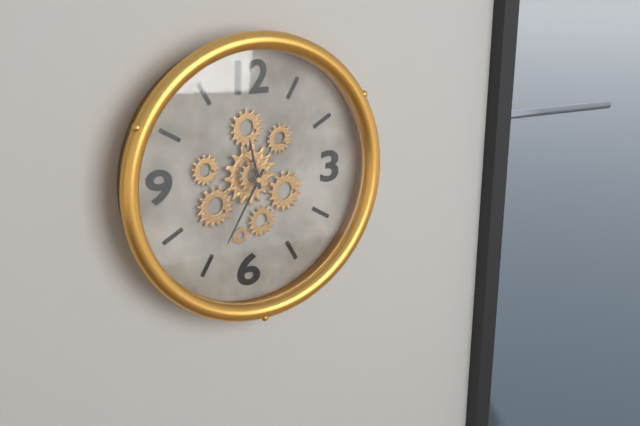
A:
11,35
